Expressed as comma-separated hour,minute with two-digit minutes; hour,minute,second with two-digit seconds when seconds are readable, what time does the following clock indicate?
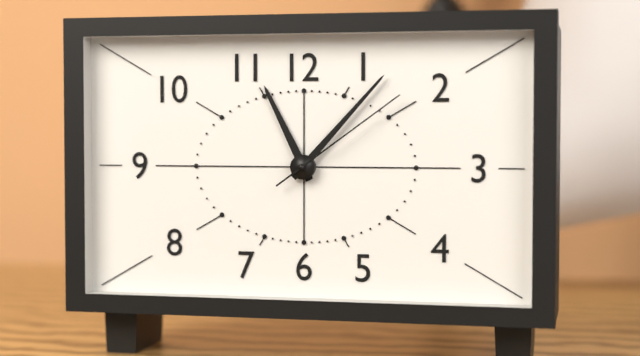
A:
11,07,09
